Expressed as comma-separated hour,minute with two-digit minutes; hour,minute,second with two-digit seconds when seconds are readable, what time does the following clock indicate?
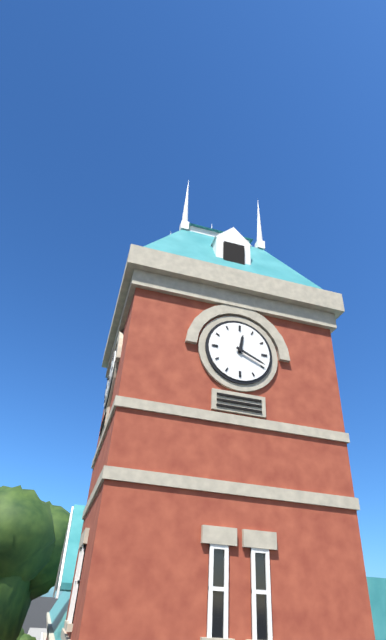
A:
12,19
